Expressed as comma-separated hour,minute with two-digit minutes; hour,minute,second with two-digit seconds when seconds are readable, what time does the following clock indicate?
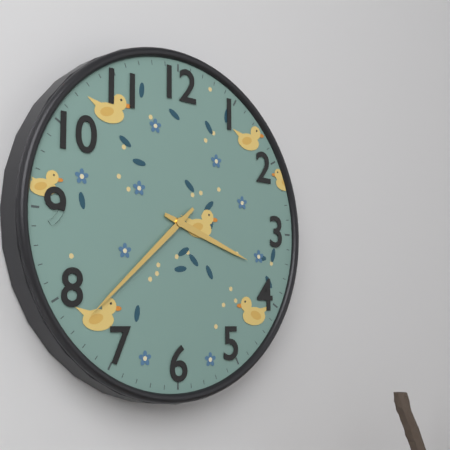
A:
3,38
